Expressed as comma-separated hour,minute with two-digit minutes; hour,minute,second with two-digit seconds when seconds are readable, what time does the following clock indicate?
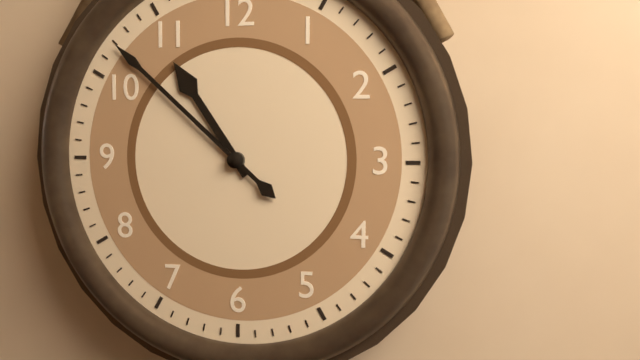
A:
10,52
